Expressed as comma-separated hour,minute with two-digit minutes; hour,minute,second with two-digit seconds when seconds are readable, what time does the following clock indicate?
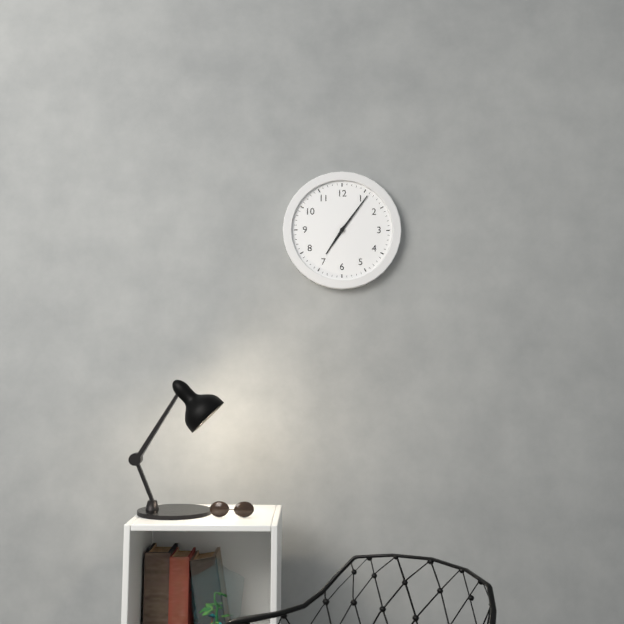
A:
7,06
